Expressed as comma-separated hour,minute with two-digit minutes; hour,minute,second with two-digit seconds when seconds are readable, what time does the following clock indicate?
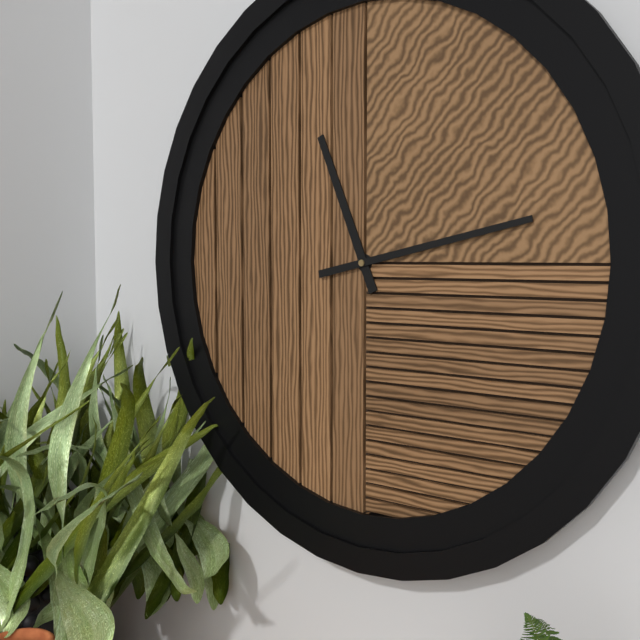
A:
11,13
